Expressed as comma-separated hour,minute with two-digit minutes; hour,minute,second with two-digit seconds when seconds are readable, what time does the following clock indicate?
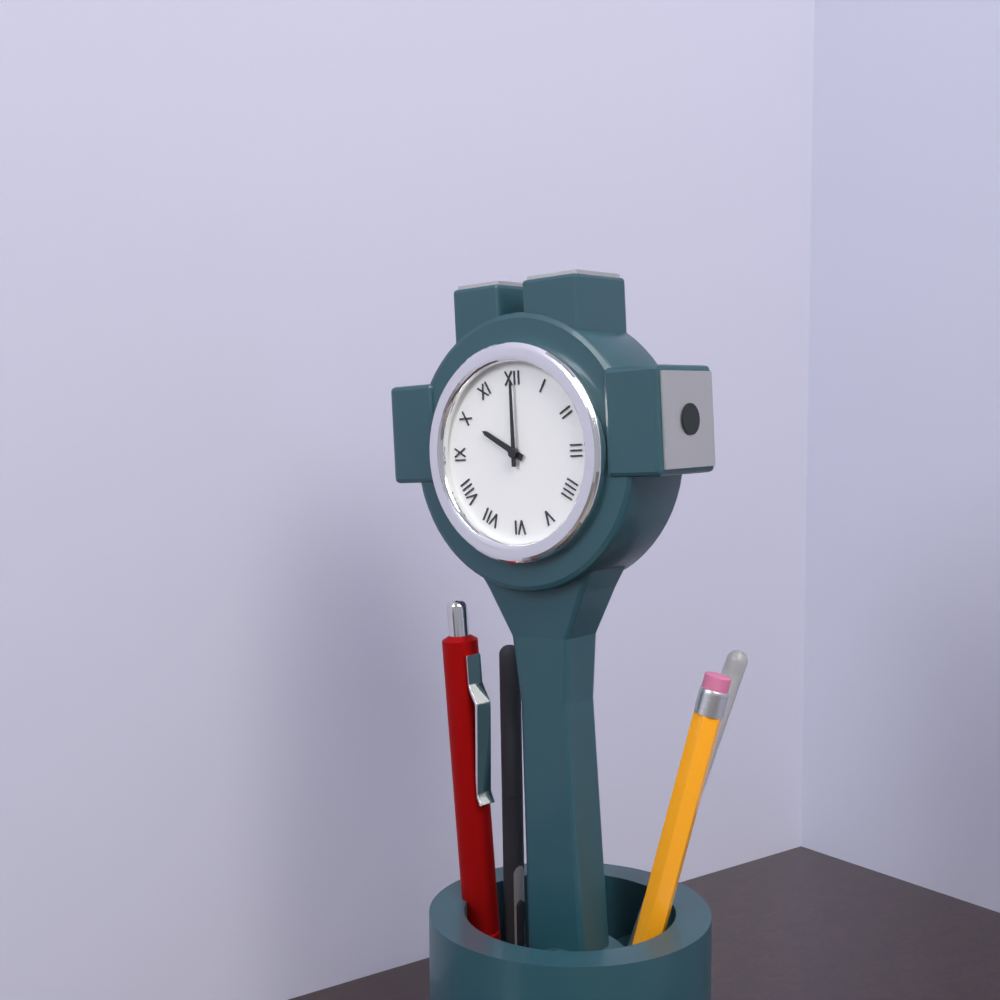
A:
10,00
